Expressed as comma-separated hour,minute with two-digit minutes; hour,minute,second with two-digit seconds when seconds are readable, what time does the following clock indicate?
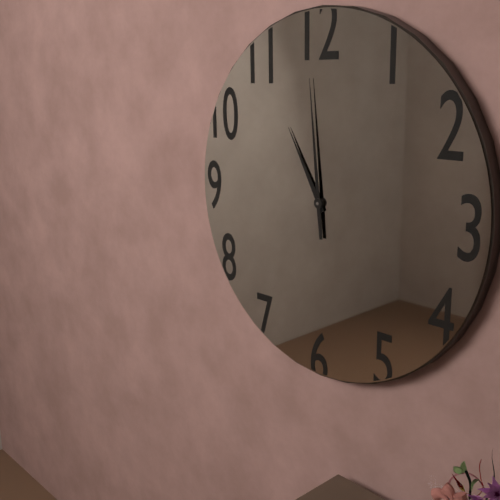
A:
10,59
